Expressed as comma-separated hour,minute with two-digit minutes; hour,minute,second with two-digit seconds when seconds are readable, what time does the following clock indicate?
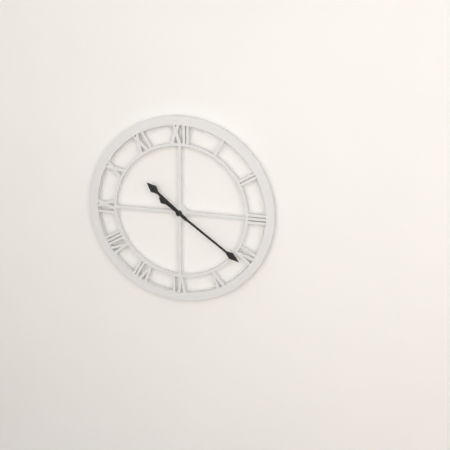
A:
10,21
